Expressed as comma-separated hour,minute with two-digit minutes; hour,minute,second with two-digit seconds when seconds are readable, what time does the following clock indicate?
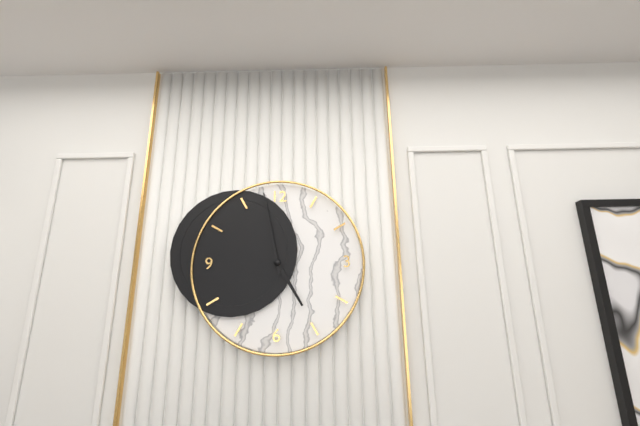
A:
4,58
